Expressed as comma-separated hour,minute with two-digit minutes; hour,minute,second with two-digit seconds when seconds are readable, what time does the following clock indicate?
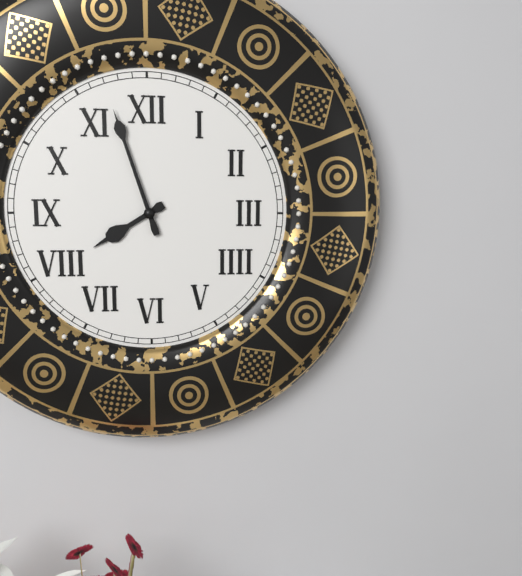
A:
7,57
